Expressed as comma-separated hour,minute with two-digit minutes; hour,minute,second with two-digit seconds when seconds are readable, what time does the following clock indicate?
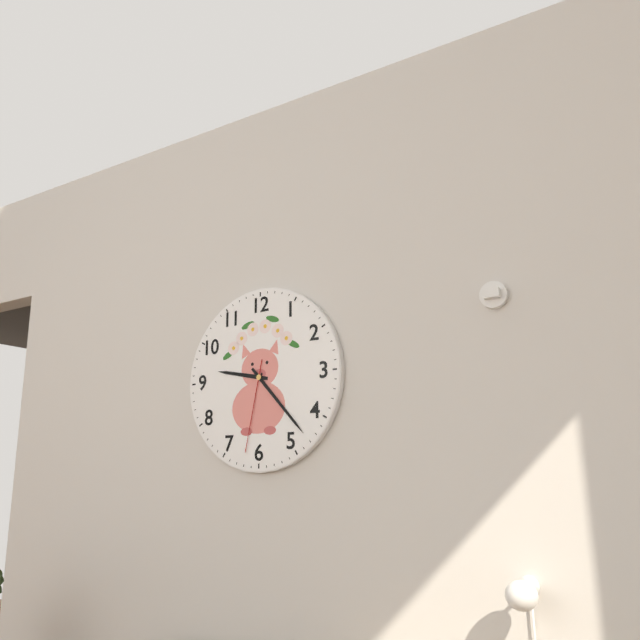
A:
9,23,32
